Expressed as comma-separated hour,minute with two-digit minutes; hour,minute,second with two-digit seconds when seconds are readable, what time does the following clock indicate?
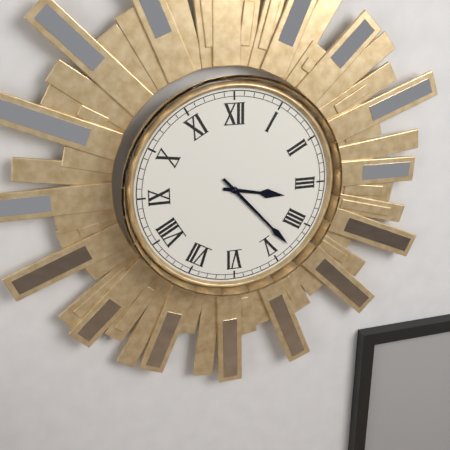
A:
3,23
